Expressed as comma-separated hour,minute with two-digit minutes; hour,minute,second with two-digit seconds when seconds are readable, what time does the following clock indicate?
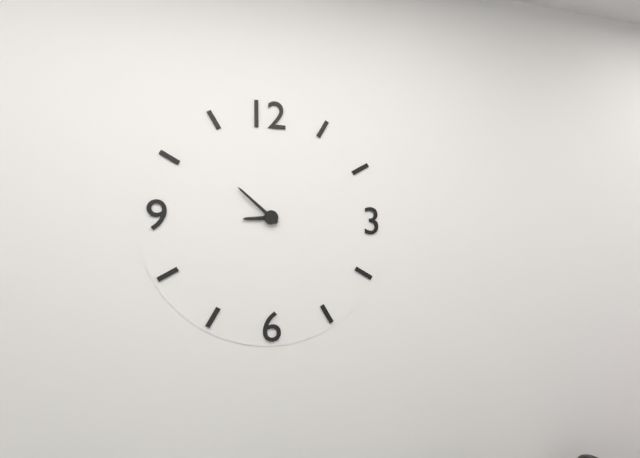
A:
8,52
